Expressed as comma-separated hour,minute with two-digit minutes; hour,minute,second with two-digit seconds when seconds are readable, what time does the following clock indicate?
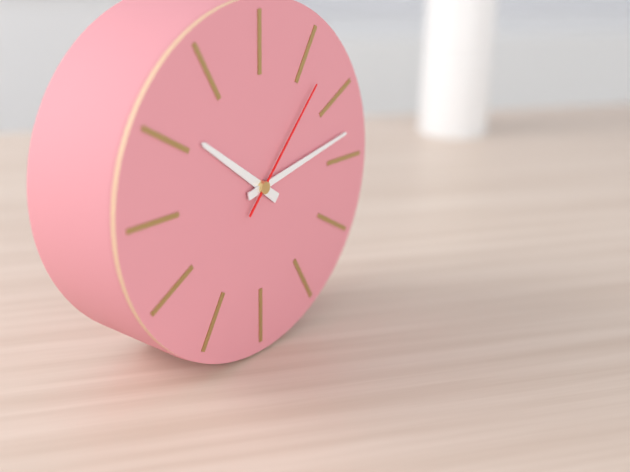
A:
10,13,07
